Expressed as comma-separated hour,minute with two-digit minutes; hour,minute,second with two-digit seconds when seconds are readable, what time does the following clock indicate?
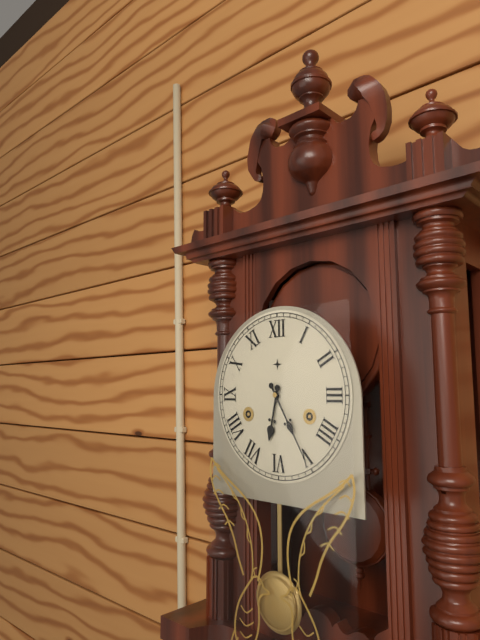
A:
6,25
